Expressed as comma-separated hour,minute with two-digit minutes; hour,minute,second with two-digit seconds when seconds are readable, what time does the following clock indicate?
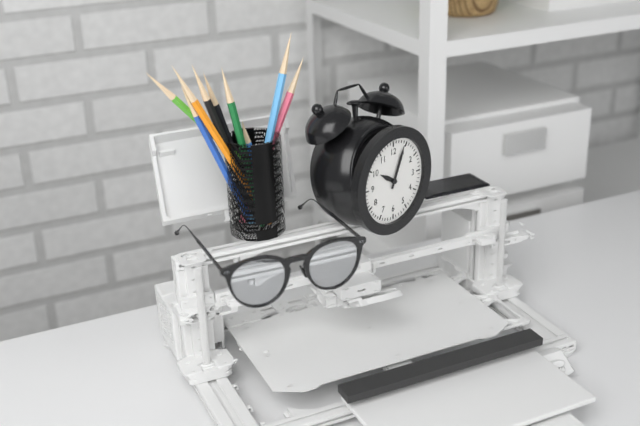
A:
10,04
